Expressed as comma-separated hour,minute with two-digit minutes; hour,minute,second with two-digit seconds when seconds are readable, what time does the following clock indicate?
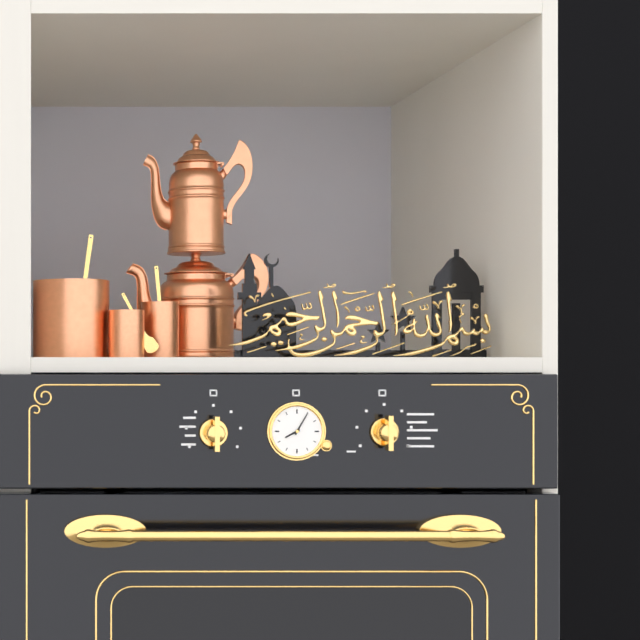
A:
8,05
